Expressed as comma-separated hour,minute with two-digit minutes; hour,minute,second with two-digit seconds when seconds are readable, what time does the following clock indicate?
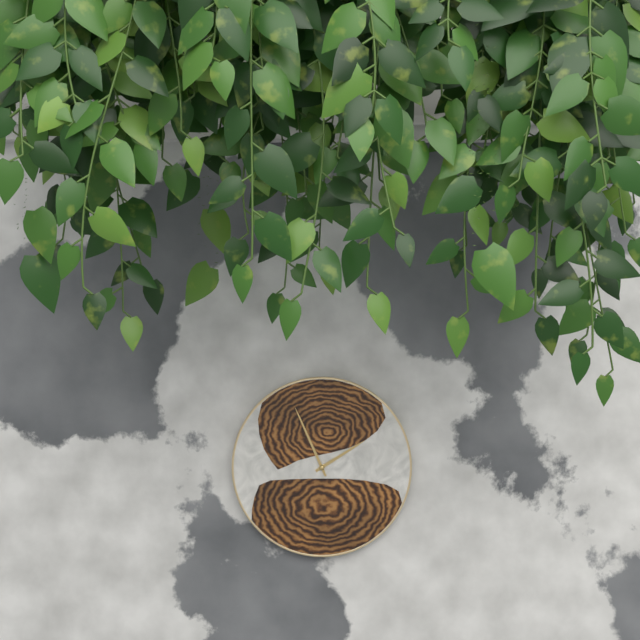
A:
1,56
